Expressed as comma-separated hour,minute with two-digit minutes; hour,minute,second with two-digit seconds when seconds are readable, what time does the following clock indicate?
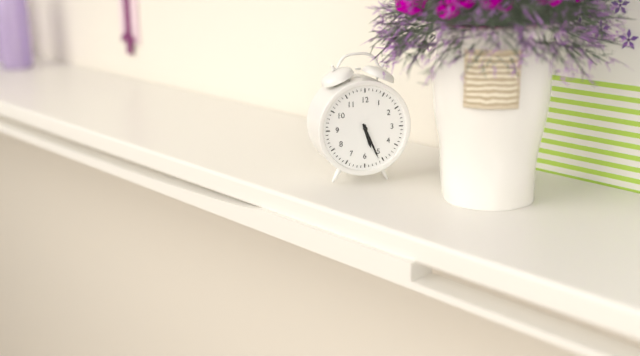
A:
5,26
